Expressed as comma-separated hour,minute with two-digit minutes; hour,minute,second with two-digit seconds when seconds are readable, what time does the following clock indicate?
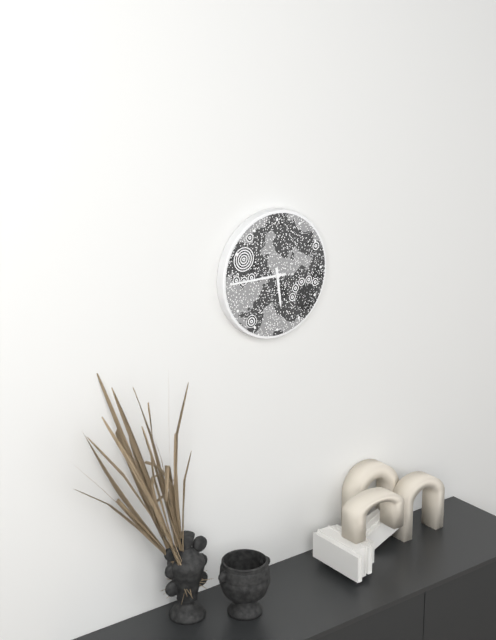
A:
5,45
